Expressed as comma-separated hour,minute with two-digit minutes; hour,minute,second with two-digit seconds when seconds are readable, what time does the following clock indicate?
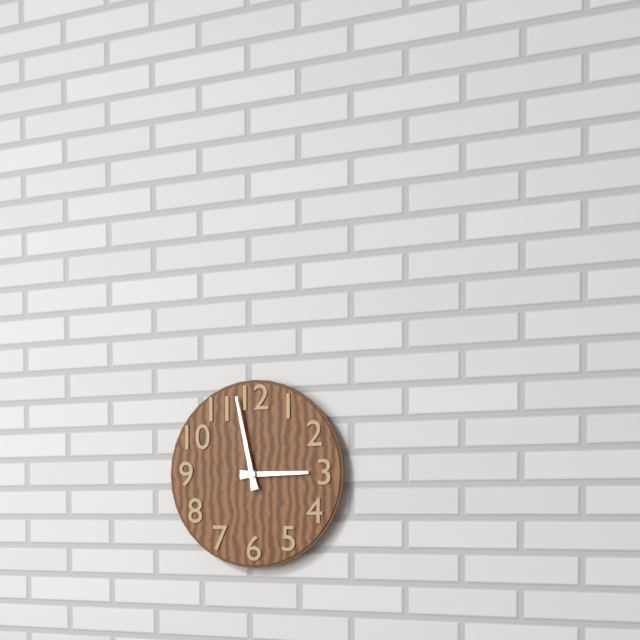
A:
2,58
